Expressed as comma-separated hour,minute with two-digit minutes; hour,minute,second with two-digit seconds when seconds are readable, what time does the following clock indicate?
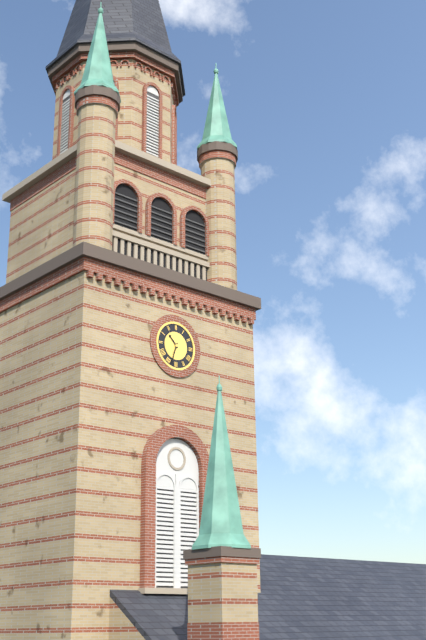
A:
10,33
